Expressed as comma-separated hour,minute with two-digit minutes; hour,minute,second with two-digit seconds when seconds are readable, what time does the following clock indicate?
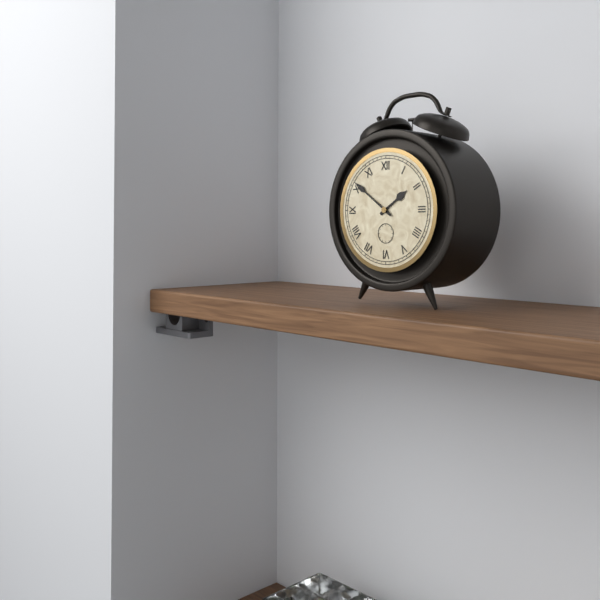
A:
1,51
